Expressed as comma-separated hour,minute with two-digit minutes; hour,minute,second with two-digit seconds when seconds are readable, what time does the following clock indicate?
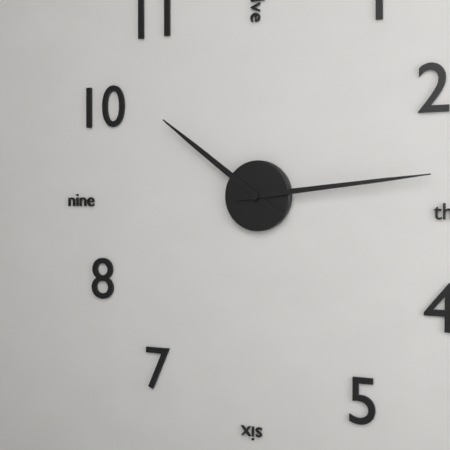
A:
10,14
